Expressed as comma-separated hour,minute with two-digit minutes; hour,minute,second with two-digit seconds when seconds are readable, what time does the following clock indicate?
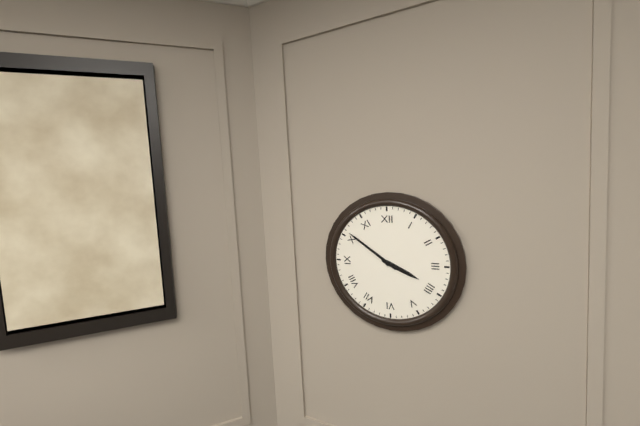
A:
3,51
